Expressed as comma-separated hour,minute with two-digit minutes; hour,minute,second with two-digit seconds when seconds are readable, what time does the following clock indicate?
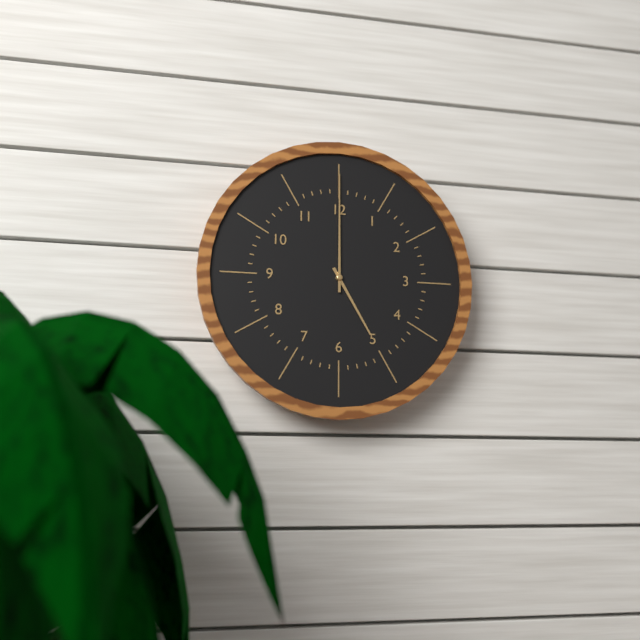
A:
5,00
